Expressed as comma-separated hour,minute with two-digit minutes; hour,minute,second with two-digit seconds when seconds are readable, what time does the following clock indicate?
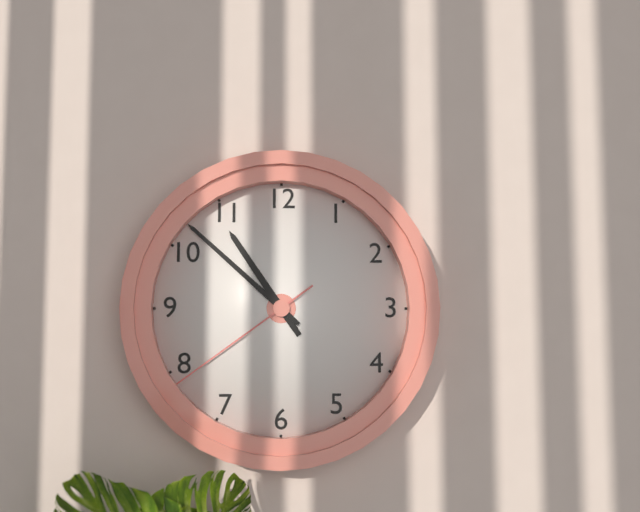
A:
10,52,39
